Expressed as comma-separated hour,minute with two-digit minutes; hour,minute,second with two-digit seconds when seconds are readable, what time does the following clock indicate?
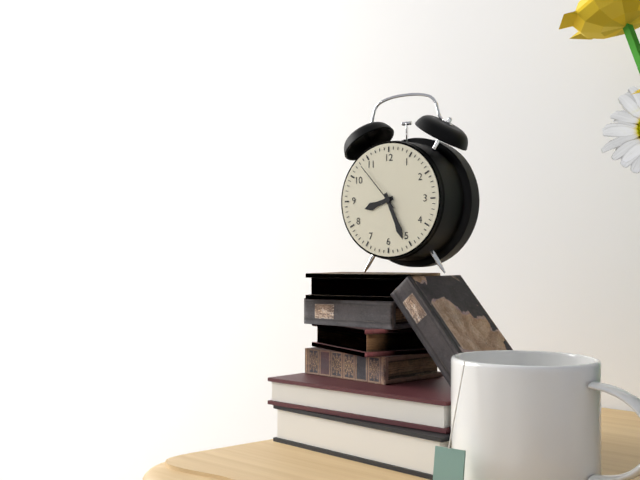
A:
8,26,53
